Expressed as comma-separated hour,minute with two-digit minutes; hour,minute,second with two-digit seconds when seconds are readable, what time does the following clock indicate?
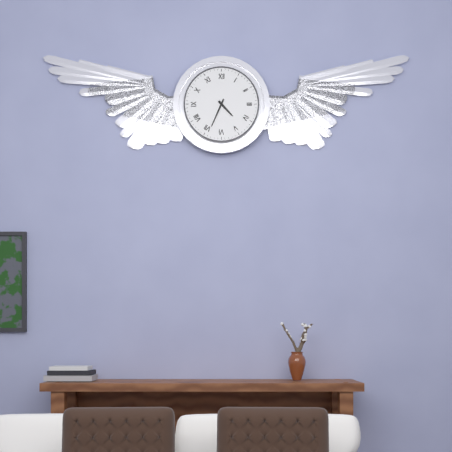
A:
4,34
